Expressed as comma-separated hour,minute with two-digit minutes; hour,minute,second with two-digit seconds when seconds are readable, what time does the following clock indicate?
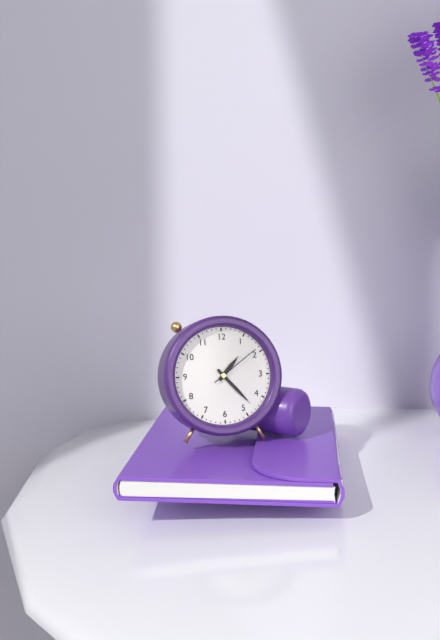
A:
1,23,09
